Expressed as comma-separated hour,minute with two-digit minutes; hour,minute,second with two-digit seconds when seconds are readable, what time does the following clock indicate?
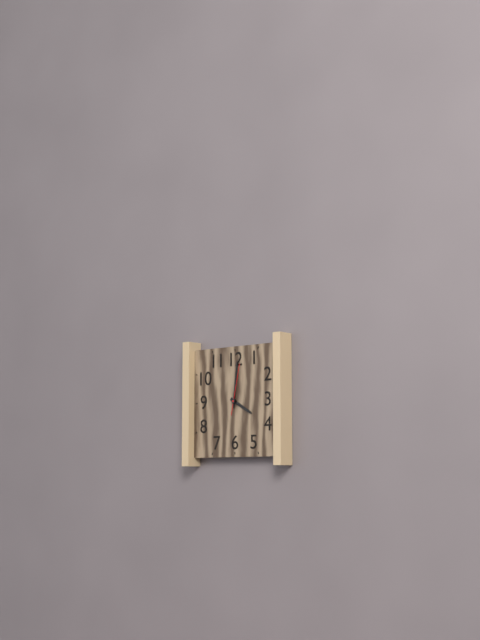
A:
4,01
